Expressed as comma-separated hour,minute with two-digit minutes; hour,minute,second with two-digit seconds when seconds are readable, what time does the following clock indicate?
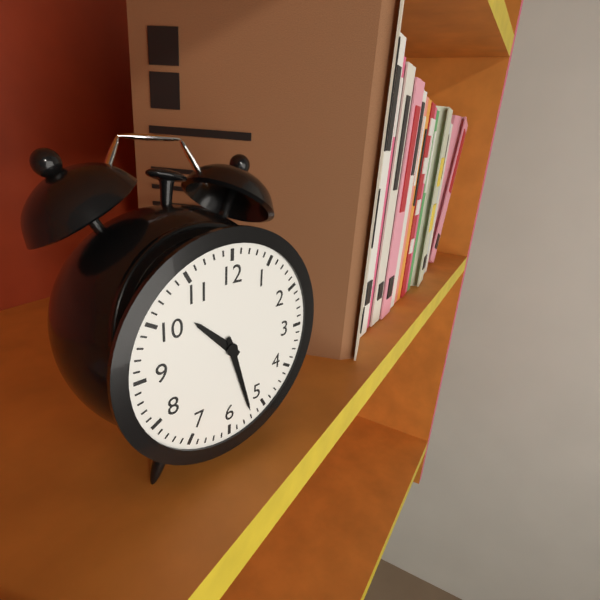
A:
10,27
